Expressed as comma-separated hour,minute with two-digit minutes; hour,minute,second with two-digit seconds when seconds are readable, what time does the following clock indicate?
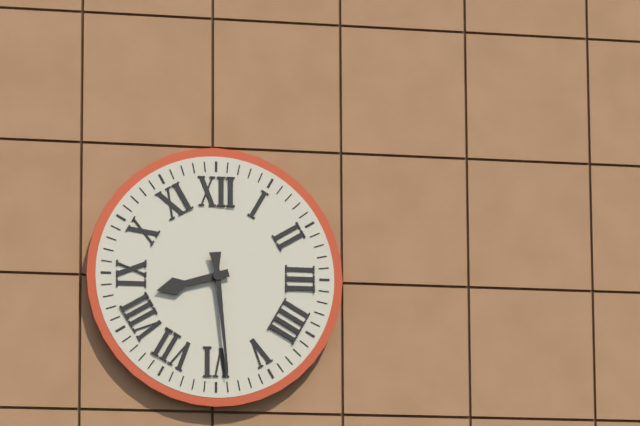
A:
8,29
